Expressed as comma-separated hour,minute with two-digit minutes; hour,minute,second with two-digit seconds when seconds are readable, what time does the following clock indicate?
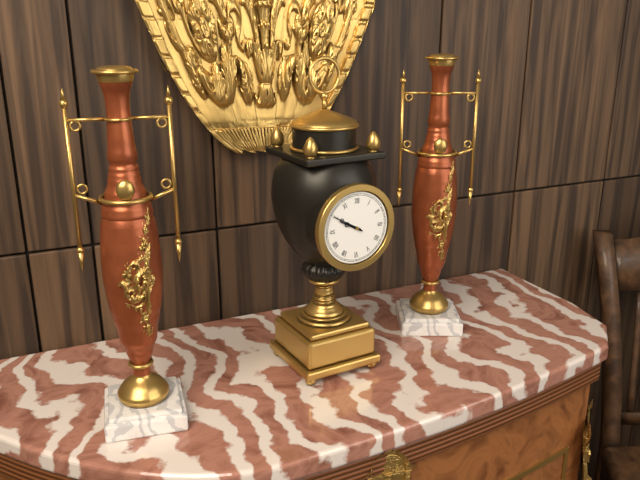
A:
9,50
